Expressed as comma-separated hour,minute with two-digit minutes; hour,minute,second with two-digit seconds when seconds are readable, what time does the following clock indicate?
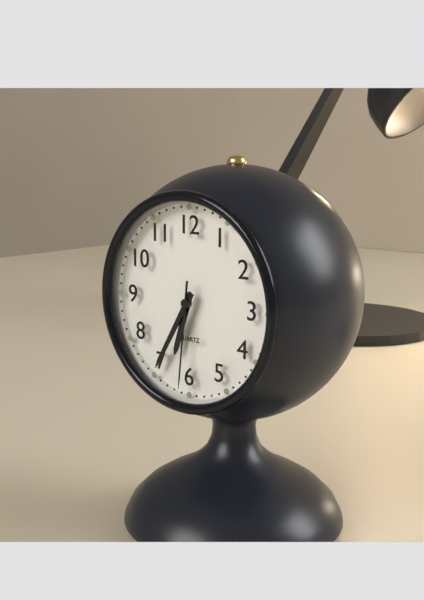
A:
6,35,31
